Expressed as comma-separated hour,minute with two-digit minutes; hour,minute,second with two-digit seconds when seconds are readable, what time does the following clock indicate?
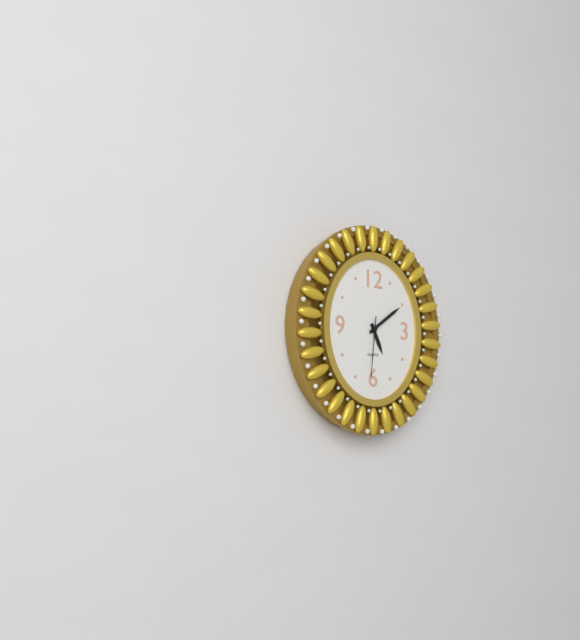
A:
5,09,31
